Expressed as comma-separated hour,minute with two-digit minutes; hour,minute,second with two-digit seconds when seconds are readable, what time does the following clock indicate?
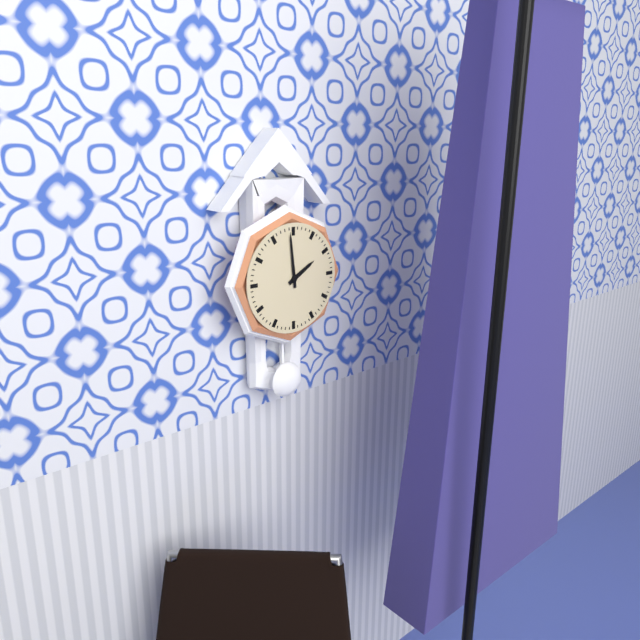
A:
1,59
